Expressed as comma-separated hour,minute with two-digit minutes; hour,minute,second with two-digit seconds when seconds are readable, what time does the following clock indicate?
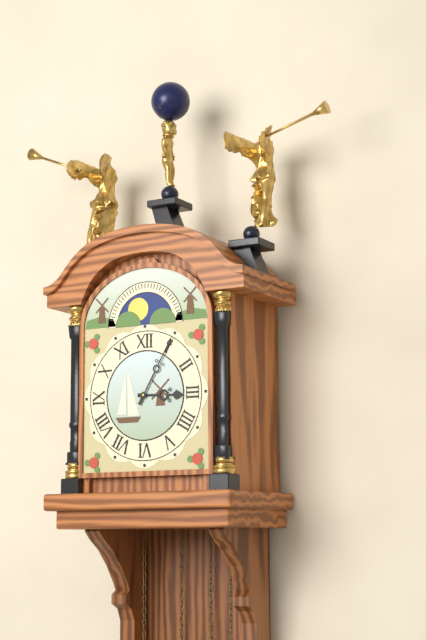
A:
3,05
